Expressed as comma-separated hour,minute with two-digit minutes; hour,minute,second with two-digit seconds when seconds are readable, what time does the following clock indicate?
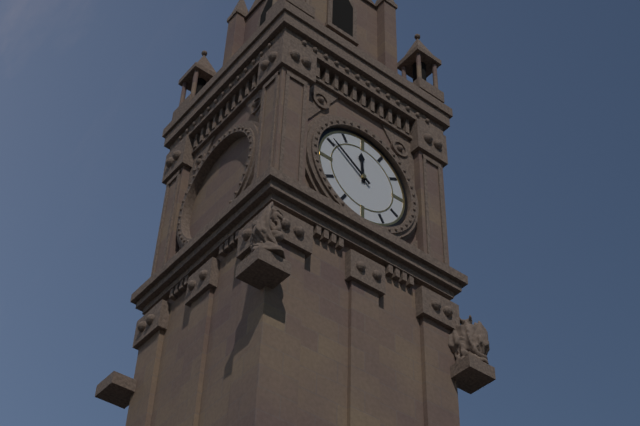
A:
11,51
